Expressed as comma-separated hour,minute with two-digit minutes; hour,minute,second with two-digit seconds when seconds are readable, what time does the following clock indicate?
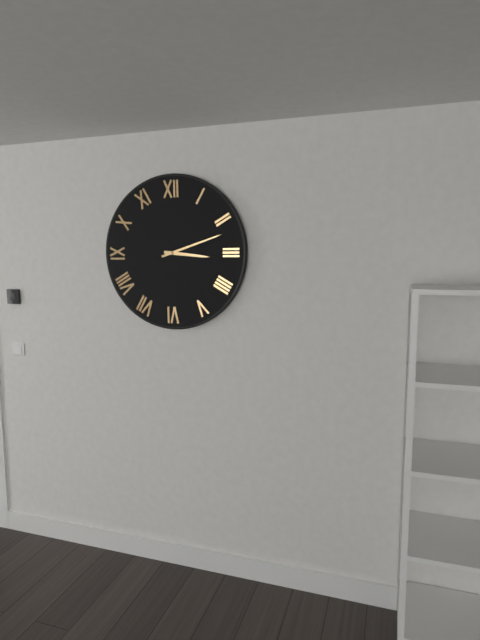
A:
3,12
